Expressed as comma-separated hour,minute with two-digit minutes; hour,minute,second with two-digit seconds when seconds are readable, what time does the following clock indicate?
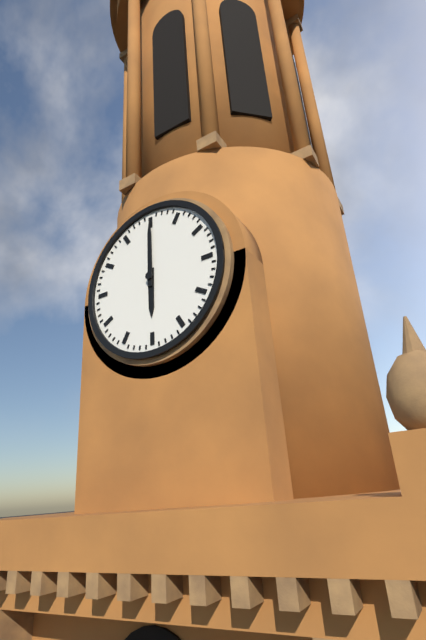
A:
6,00
